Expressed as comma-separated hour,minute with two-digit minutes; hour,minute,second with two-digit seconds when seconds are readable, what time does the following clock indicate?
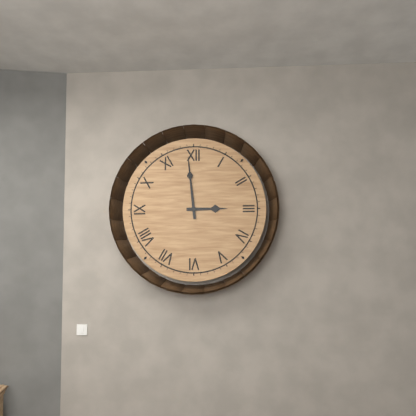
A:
2,59
